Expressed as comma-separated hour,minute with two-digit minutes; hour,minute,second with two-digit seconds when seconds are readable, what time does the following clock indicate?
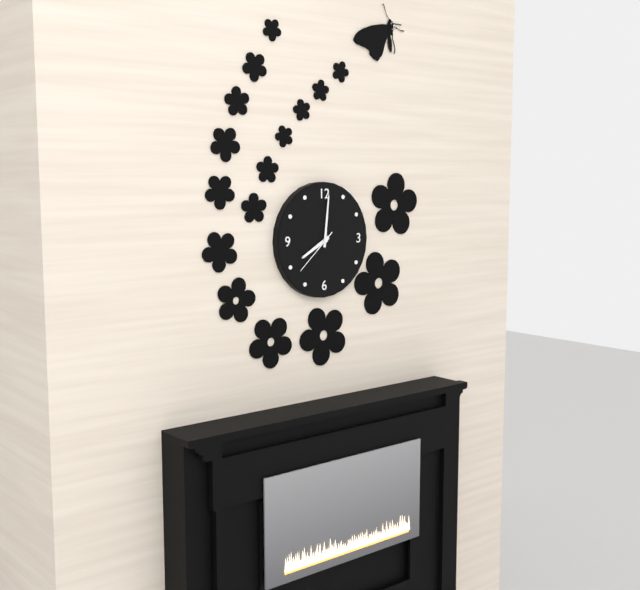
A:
8,01,38
